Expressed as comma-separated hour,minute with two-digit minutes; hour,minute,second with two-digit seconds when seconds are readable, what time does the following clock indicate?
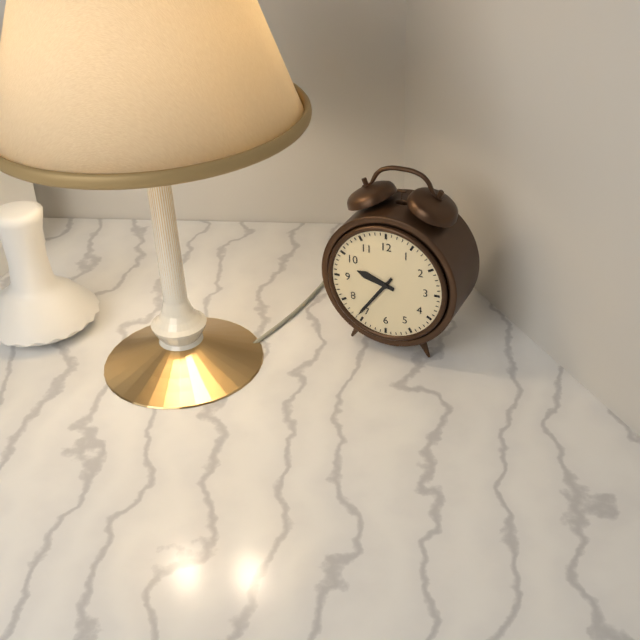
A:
9,36
